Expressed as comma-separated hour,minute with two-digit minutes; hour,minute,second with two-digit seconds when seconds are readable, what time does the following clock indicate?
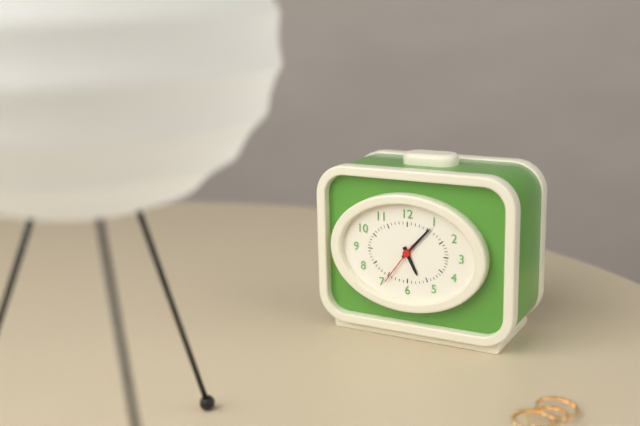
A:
5,07
